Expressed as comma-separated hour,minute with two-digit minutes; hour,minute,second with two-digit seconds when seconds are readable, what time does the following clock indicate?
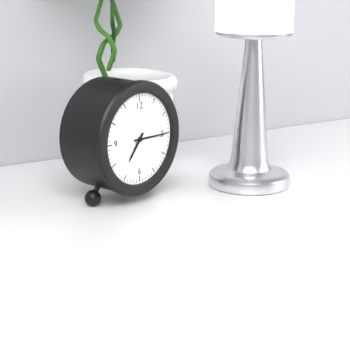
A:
7,15
